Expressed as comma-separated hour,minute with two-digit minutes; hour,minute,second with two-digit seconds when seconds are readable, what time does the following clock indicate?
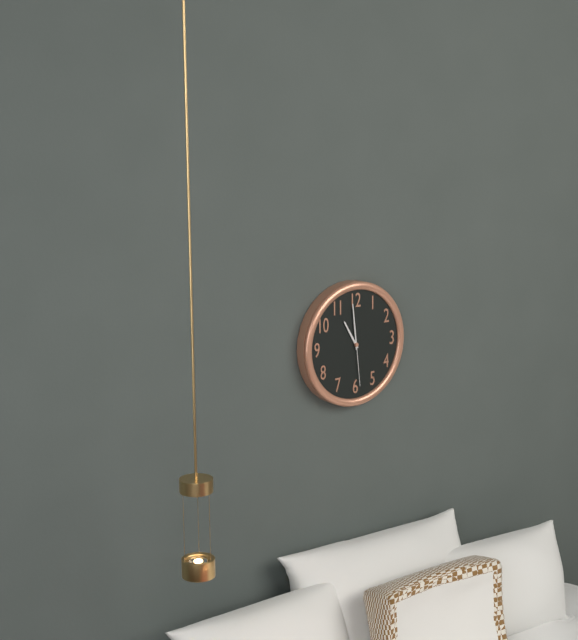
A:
10,59,29
